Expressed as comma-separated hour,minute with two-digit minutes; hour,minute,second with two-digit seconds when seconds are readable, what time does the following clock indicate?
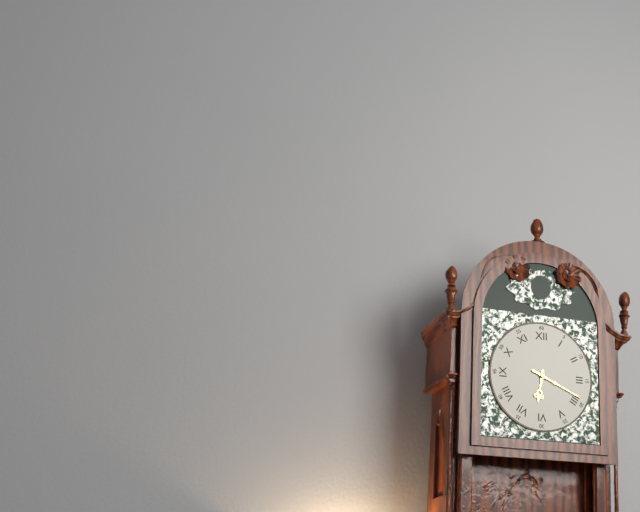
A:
6,19
